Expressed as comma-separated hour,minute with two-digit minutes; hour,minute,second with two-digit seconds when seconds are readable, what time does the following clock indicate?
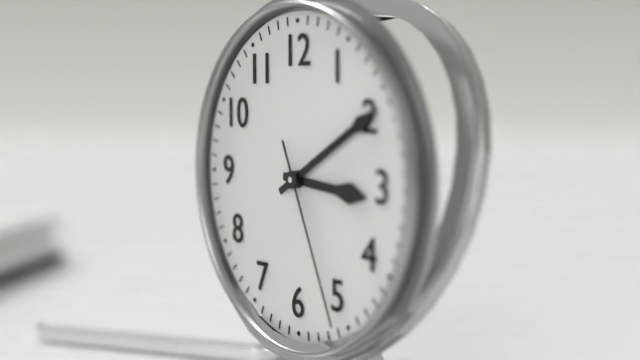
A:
3,10,26
